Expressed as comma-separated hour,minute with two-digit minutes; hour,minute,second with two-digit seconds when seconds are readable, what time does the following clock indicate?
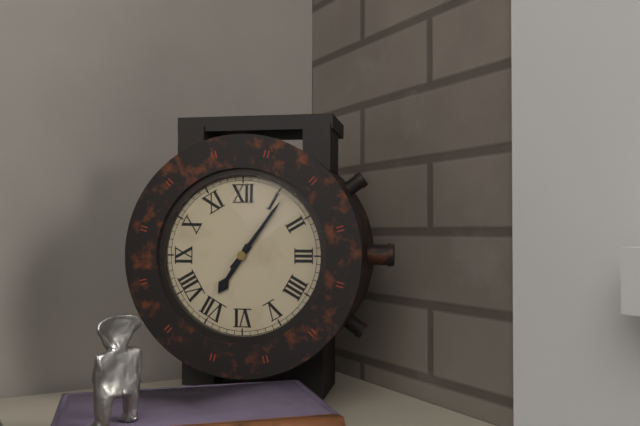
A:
7,06
